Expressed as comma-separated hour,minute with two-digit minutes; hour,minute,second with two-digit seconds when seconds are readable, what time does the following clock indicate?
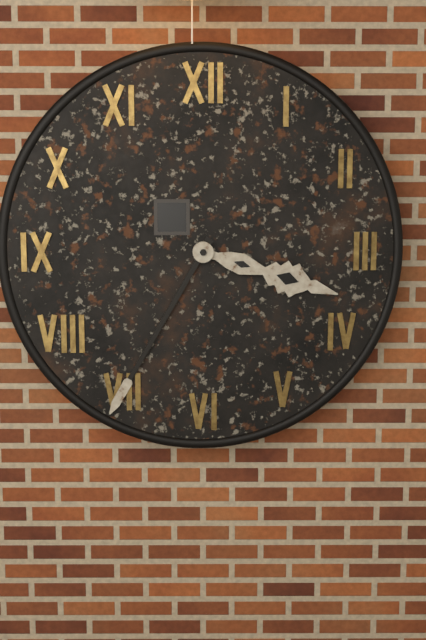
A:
3,35
